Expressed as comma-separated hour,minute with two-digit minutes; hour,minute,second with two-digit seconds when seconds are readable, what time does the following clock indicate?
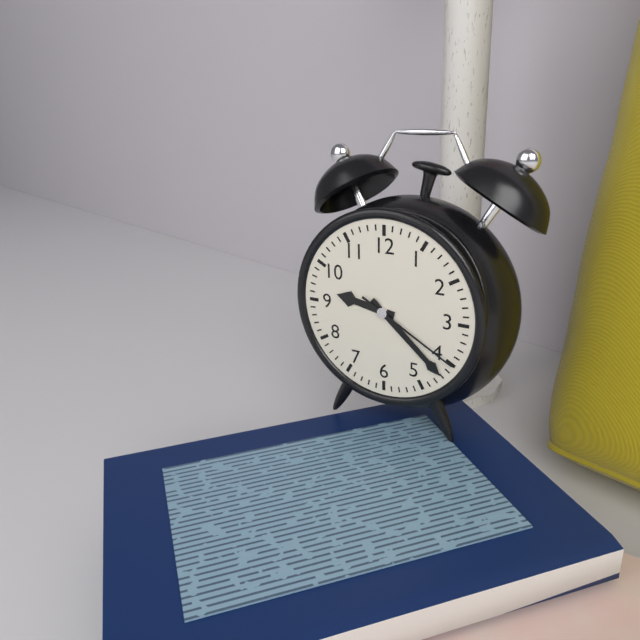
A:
9,22,20
